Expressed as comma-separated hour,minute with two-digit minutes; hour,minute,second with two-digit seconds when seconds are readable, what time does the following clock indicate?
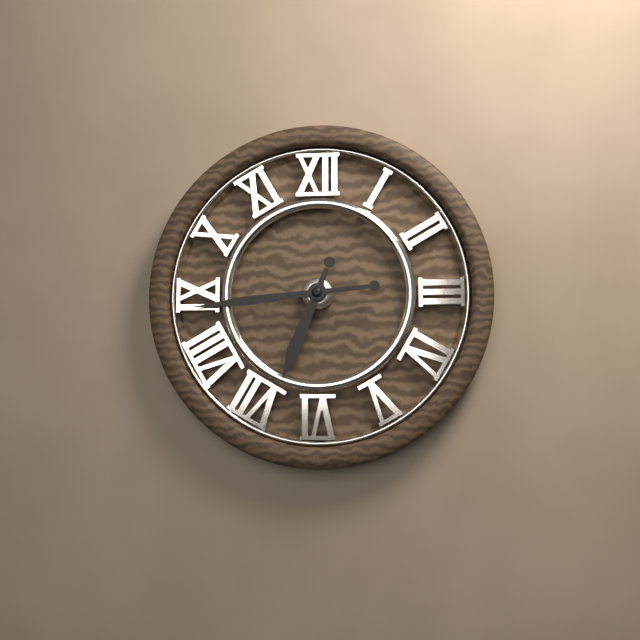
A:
6,44
